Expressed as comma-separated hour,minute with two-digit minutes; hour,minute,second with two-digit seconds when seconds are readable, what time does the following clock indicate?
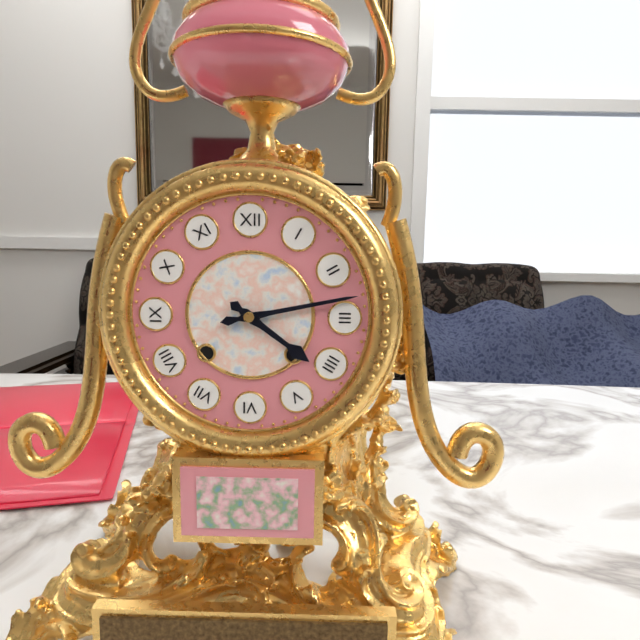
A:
4,13
